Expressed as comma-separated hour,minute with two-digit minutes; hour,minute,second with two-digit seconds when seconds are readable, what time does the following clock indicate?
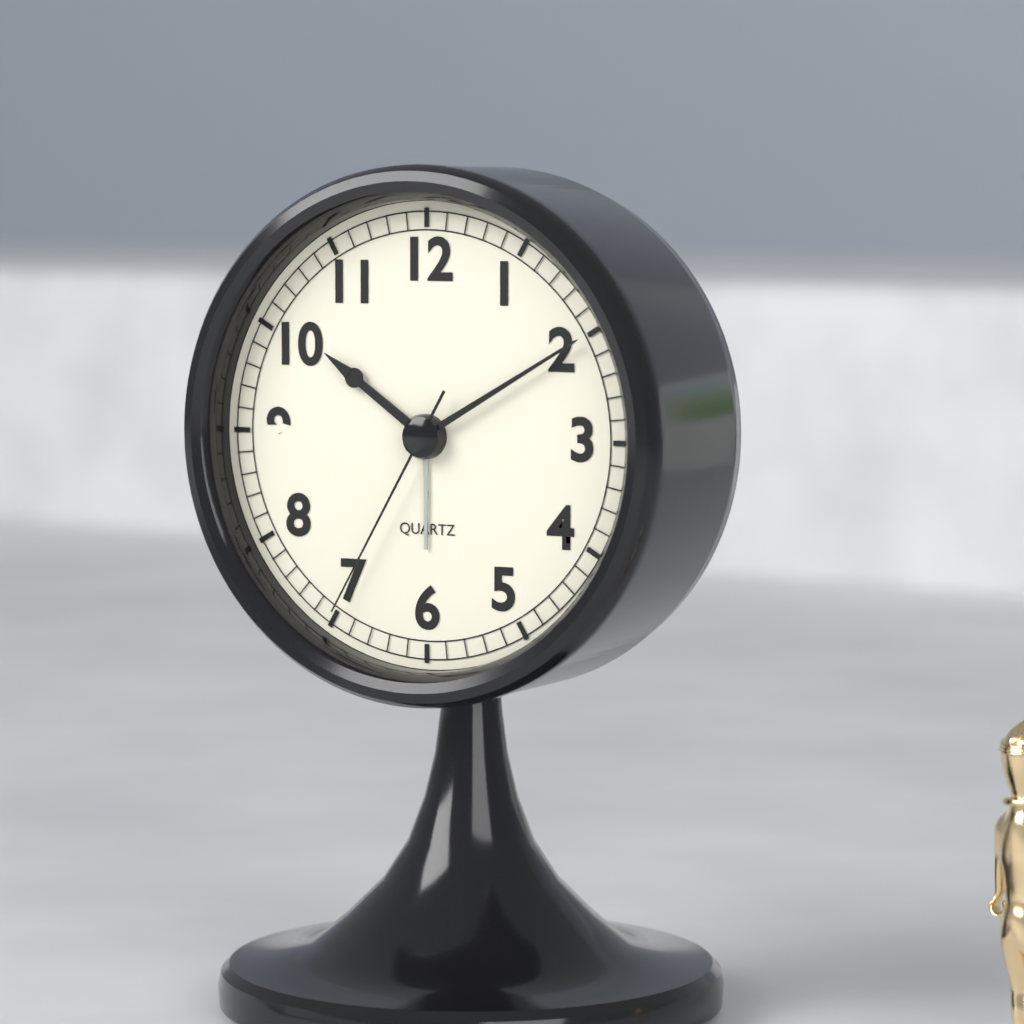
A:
10,10,35
